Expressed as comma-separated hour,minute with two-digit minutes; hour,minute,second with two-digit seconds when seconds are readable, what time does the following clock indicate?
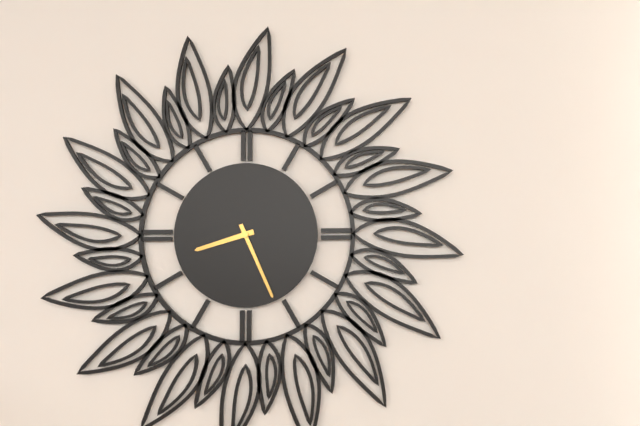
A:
8,26
